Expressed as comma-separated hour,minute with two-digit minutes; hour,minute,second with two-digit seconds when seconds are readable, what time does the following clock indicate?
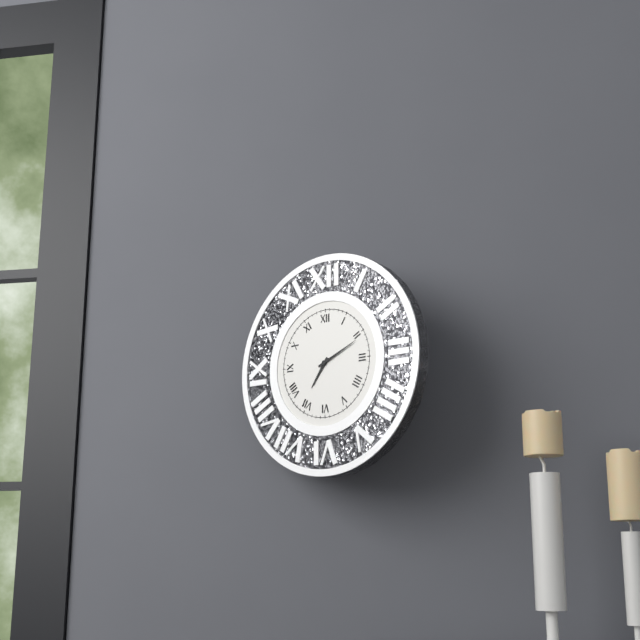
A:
7,11
